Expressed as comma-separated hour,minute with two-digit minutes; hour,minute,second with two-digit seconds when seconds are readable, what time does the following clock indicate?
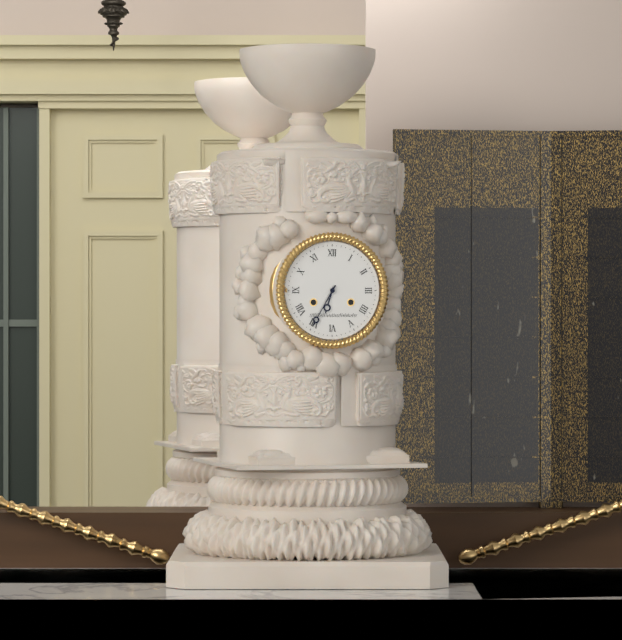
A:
6,35
